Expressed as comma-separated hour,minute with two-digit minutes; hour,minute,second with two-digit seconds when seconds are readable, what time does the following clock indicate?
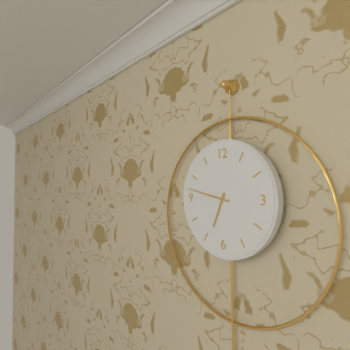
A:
6,47
